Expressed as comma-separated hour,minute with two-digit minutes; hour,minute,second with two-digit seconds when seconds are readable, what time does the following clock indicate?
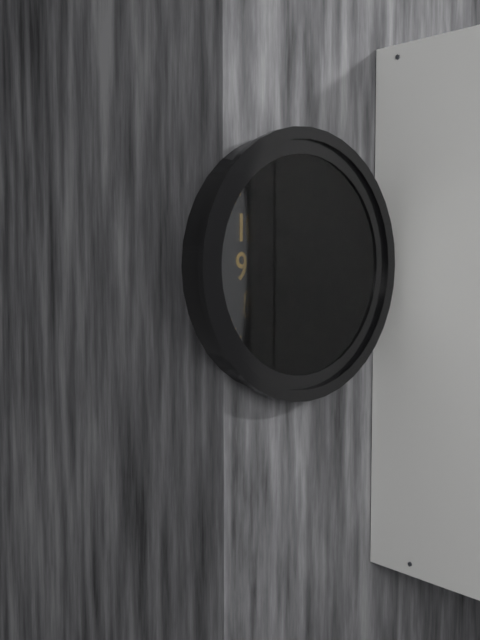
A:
11,01
